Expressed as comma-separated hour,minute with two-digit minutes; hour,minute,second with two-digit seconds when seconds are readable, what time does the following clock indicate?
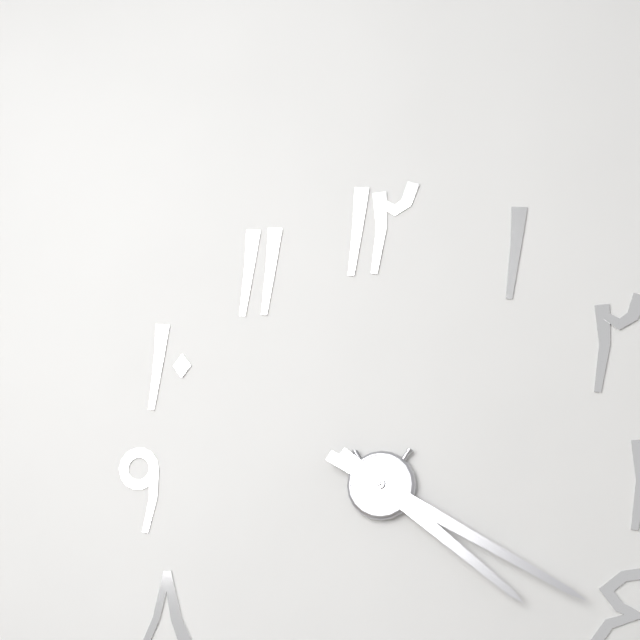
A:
4,20
